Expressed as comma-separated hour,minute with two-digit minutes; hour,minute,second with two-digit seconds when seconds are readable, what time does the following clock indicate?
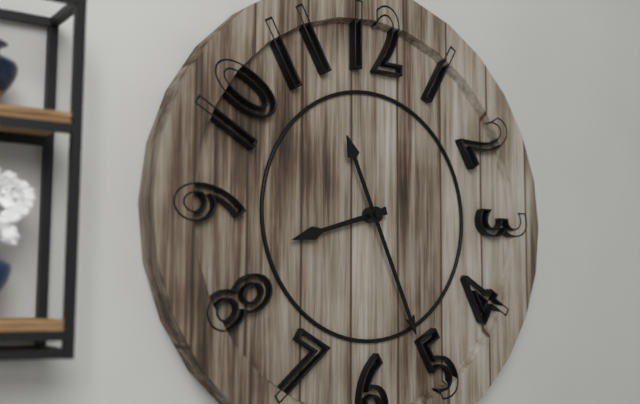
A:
8,26
